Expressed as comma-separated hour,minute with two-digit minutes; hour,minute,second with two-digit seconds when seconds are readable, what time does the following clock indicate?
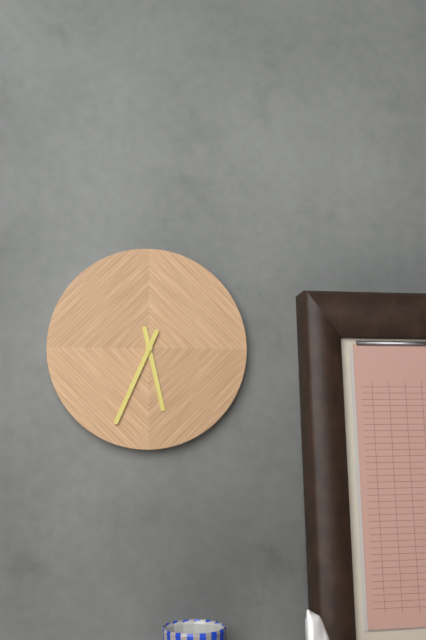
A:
5,34
